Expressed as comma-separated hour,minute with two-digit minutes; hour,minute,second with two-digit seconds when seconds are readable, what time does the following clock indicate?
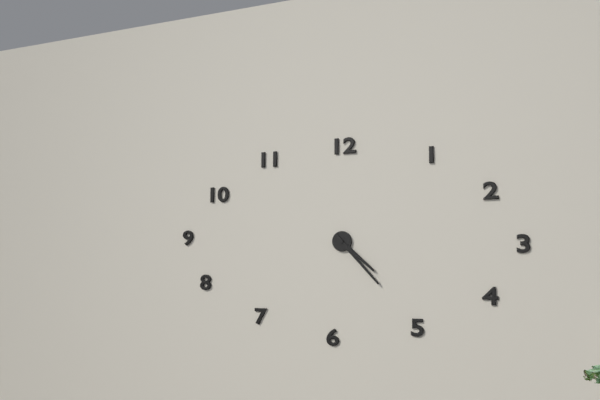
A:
4,23
